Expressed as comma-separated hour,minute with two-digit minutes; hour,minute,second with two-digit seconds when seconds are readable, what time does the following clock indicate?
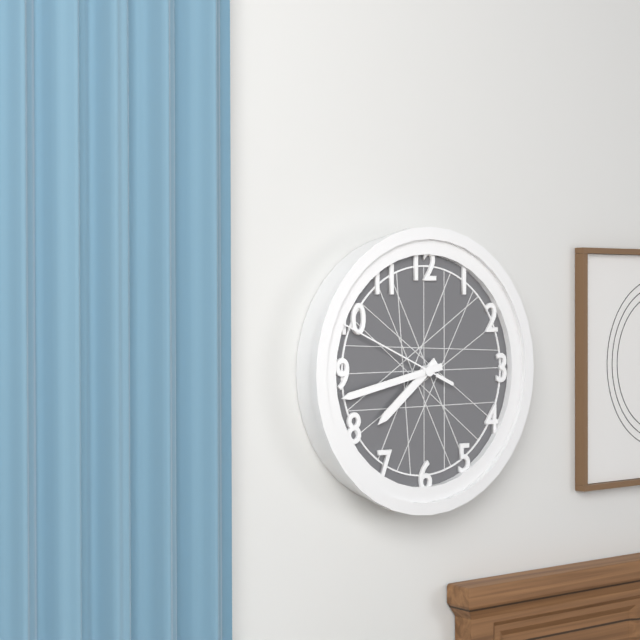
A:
7,43,49
